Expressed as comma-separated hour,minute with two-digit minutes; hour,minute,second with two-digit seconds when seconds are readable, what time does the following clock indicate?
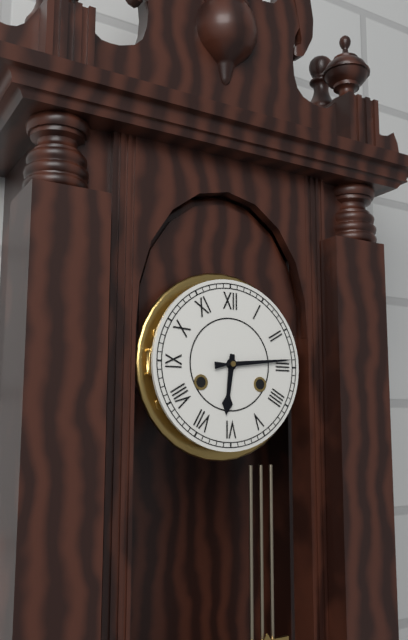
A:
6,14
